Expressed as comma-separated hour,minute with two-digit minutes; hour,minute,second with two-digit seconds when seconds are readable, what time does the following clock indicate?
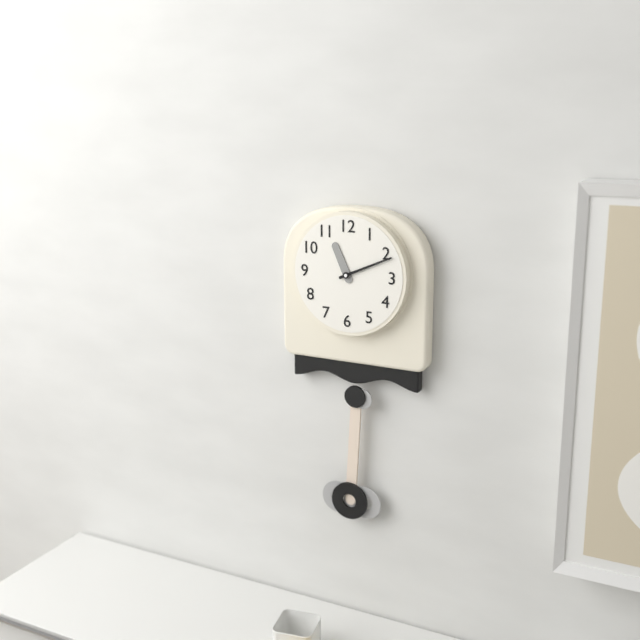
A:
11,11
